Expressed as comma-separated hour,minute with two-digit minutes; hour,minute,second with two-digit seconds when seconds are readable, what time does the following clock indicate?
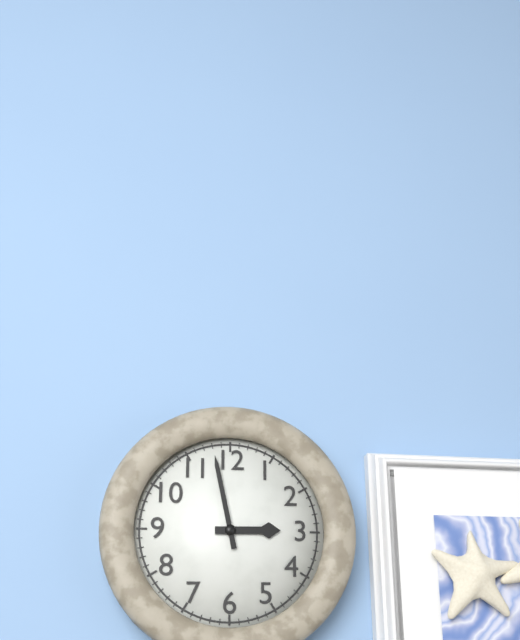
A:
2,58
